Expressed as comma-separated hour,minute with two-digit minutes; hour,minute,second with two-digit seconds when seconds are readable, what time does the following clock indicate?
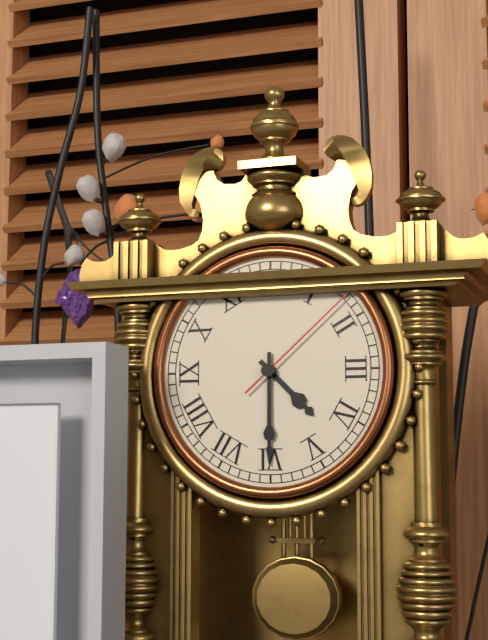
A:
4,30,08
